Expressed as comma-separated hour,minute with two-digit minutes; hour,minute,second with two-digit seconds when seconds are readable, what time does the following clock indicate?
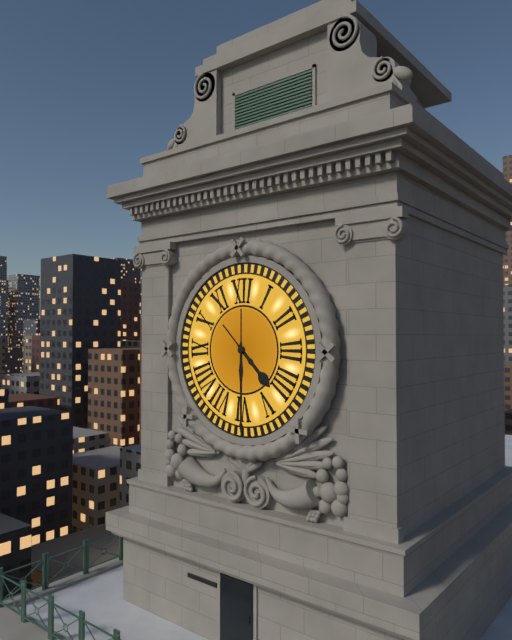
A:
4,30
